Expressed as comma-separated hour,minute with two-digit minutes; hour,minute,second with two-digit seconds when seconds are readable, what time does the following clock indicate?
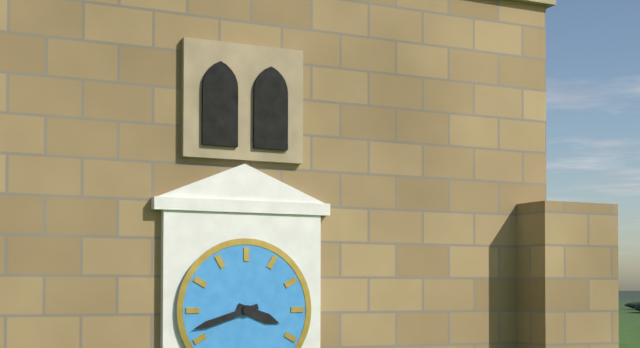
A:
3,42
